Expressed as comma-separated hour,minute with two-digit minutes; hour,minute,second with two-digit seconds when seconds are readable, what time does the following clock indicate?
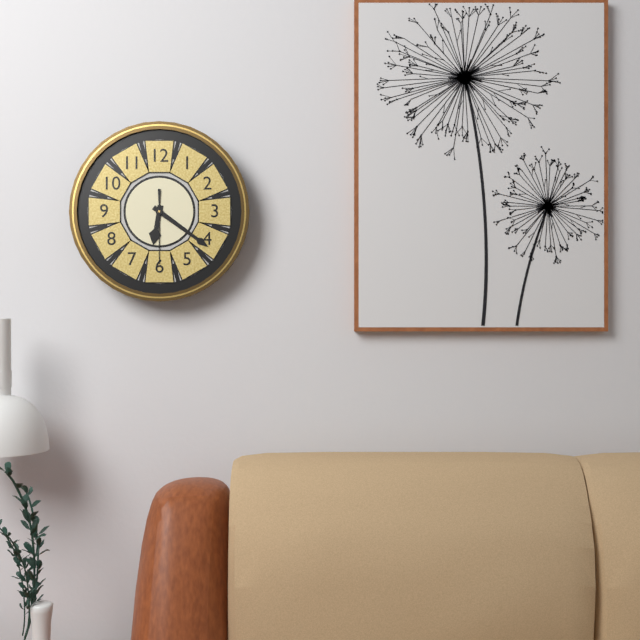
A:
6,21,30
